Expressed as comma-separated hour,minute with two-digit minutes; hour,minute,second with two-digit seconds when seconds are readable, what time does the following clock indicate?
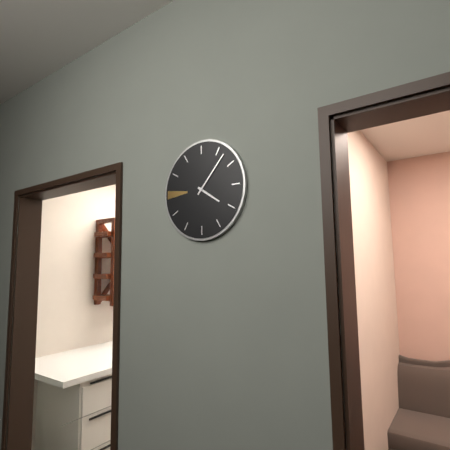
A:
4,07
